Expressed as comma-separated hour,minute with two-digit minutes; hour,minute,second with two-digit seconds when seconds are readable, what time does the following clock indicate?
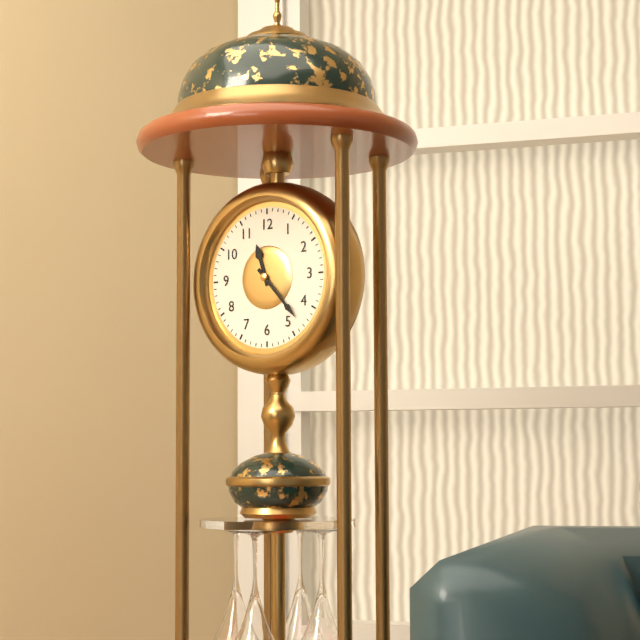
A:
11,23
